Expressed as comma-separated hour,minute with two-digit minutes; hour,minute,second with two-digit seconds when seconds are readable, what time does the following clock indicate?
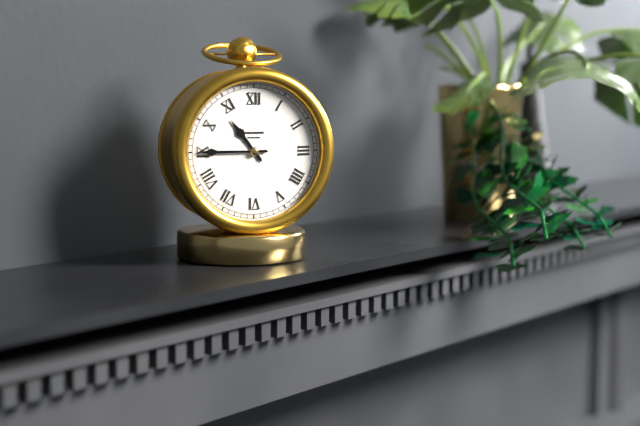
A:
10,45
